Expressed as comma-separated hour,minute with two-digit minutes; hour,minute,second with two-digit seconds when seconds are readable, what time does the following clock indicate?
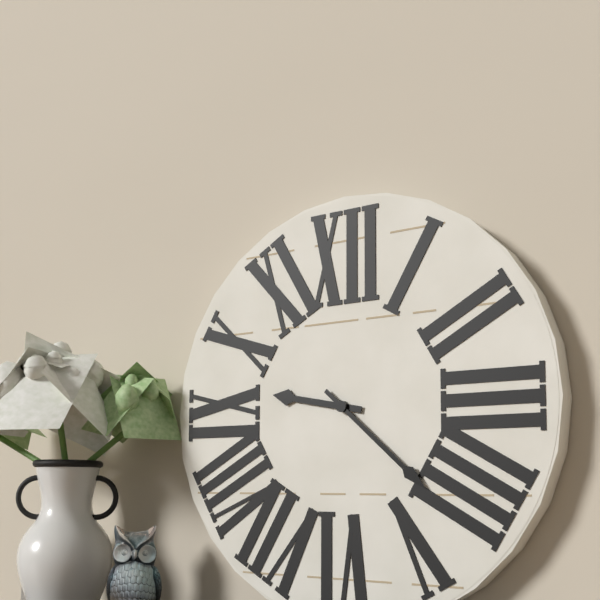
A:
9,22
